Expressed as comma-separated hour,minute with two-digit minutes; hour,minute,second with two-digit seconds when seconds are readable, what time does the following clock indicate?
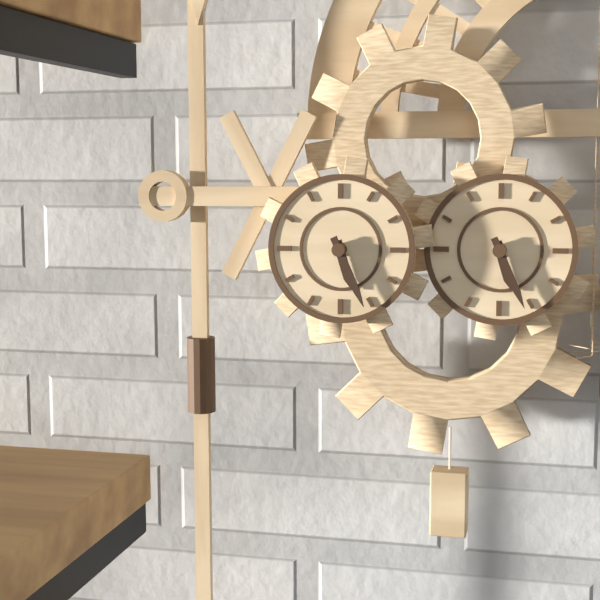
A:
5,26
